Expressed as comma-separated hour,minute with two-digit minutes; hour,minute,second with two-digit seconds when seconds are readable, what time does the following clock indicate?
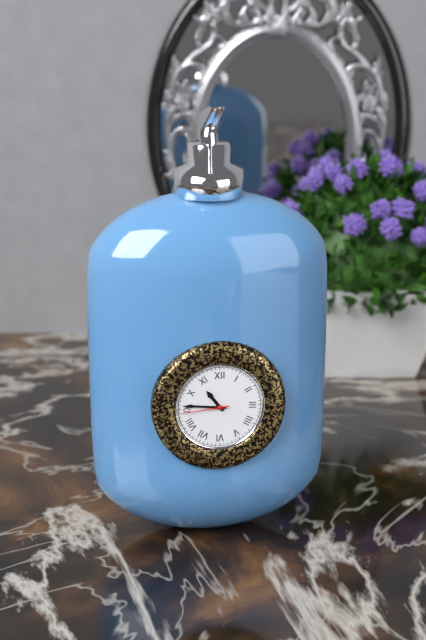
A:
10,46
